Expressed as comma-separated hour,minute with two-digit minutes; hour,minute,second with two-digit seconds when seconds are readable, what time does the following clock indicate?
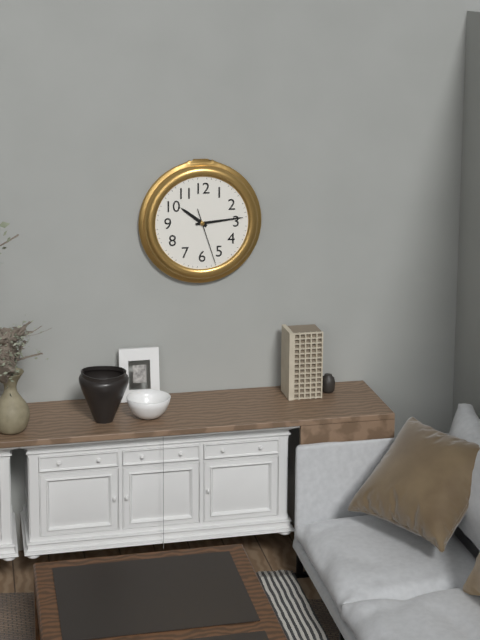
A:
10,14,27
